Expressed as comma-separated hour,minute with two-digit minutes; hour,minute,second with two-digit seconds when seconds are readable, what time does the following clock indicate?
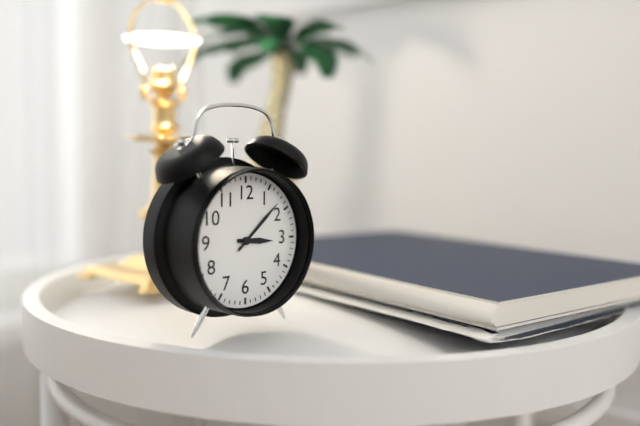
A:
3,08
